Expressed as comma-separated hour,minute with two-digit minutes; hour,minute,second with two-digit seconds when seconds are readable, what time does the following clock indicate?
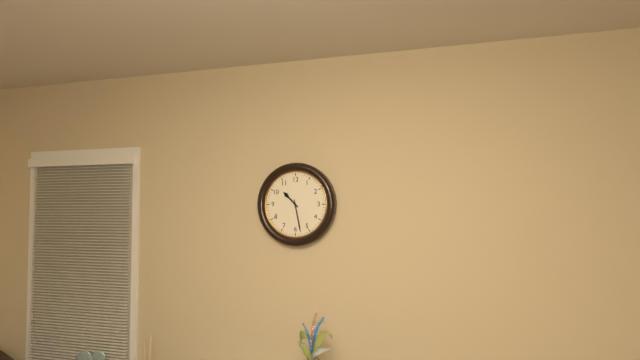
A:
10,28
